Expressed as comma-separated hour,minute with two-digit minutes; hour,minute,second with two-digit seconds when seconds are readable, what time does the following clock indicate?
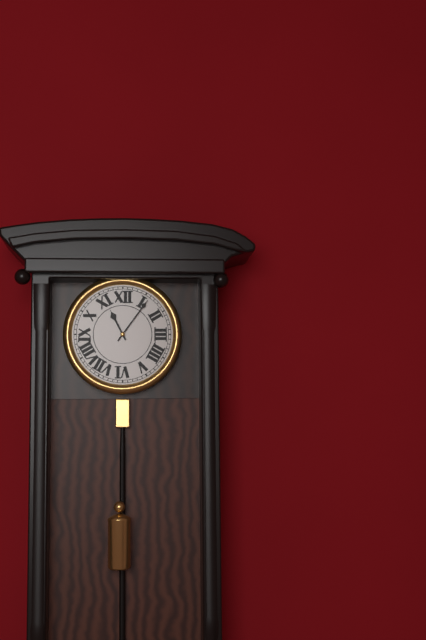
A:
11,06
